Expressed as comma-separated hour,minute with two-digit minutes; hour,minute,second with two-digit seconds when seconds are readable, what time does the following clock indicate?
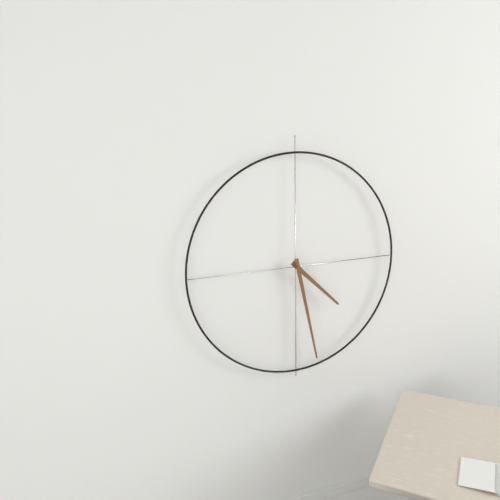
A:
4,28
